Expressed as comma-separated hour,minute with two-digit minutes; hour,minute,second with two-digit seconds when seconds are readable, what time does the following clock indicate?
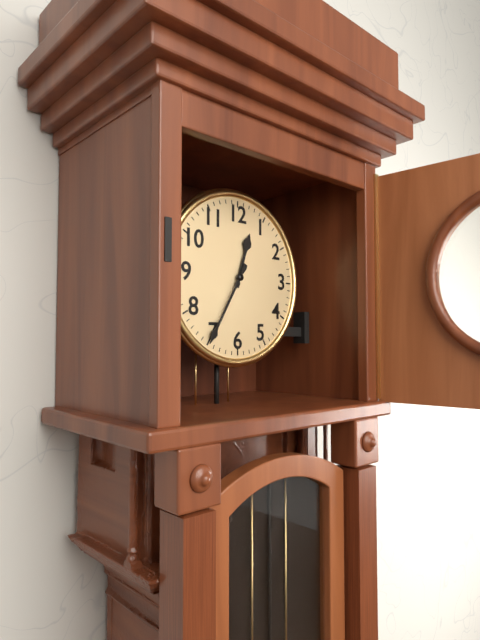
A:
12,35
